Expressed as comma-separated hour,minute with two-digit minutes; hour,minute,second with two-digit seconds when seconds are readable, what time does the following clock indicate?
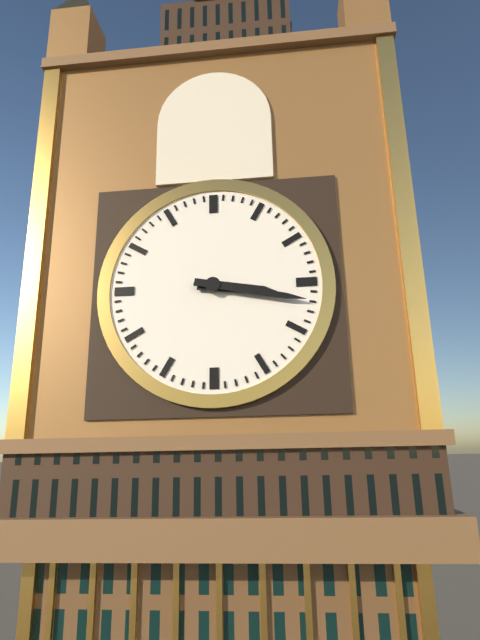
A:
3,17
